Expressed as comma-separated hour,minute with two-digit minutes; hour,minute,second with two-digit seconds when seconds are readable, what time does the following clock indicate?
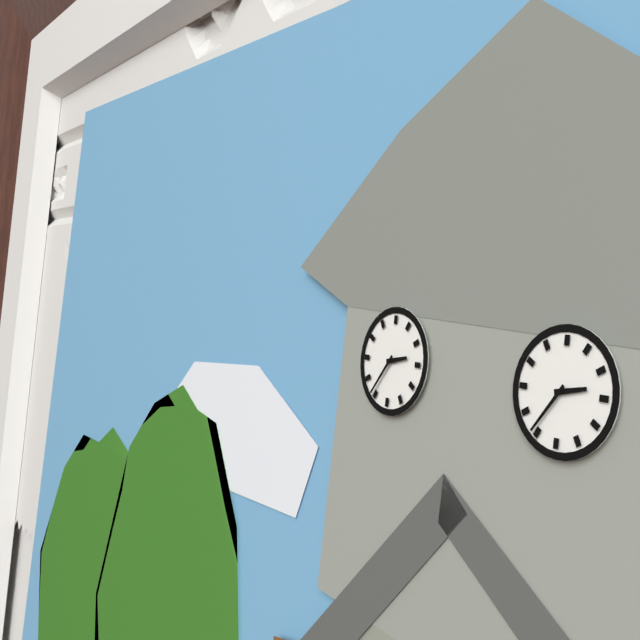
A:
2,36
